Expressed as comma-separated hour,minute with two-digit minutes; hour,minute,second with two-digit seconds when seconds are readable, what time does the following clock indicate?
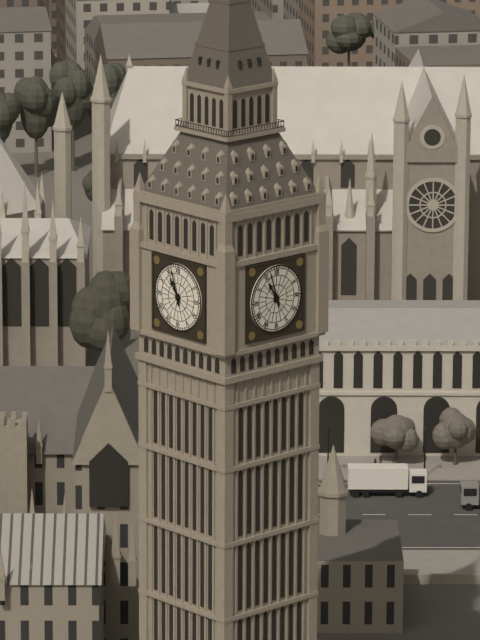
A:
10,57
